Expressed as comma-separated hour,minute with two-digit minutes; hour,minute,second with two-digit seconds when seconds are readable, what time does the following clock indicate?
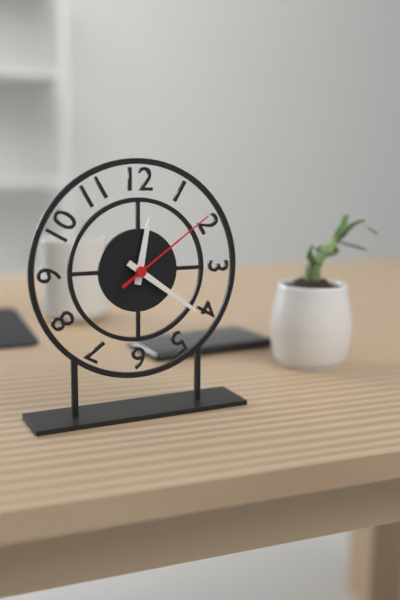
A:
12,21,09
